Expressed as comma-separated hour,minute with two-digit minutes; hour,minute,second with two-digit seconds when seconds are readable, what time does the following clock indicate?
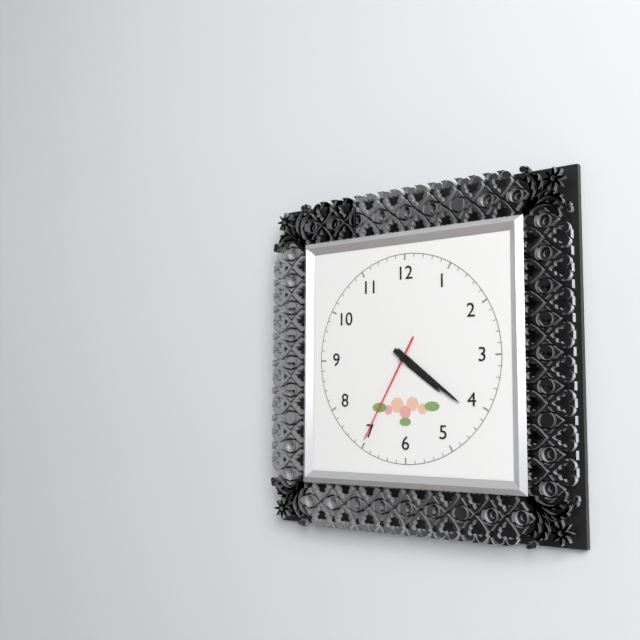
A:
4,21,35
